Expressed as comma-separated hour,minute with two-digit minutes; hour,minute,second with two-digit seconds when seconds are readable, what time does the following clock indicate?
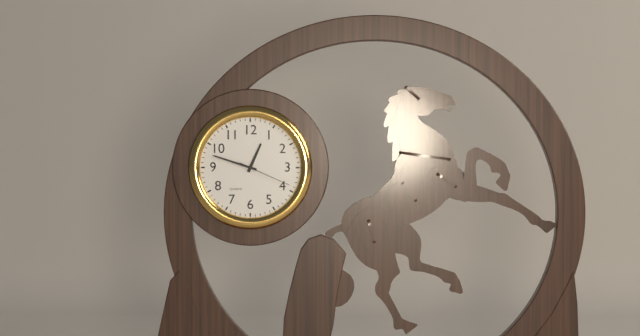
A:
12,48,19
